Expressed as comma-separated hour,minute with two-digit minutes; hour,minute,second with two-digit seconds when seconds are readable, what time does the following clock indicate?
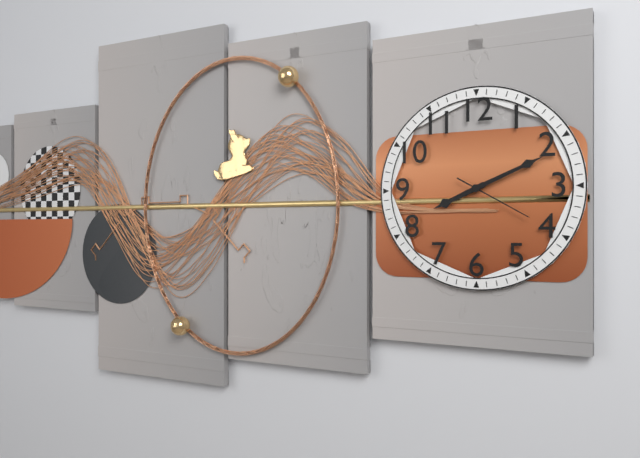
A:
8,11,20
